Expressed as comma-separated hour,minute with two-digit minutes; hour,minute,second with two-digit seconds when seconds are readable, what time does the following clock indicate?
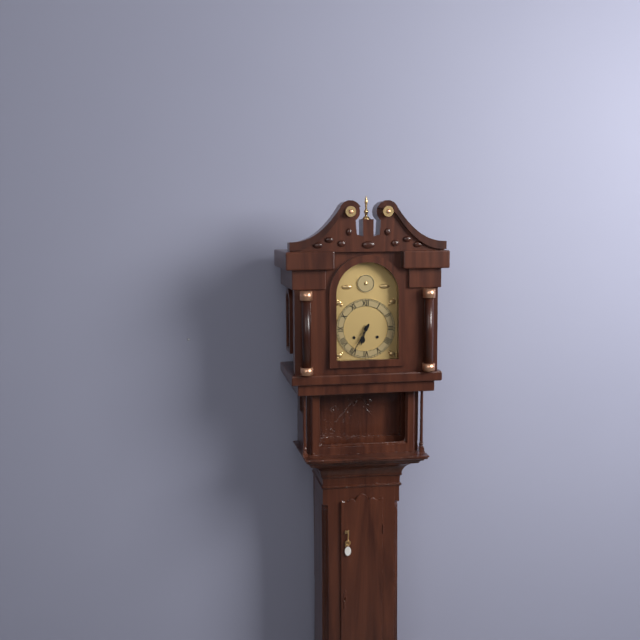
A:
6,35
